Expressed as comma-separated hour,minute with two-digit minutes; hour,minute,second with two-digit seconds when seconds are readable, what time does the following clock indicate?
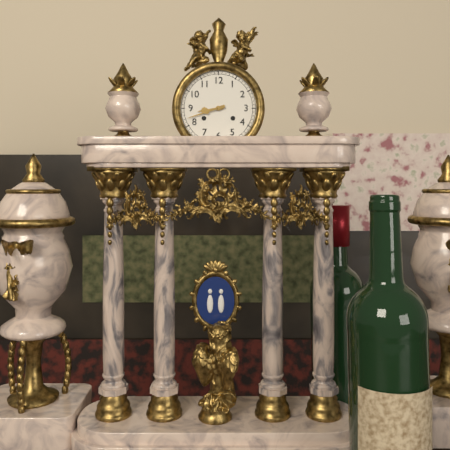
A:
8,42
